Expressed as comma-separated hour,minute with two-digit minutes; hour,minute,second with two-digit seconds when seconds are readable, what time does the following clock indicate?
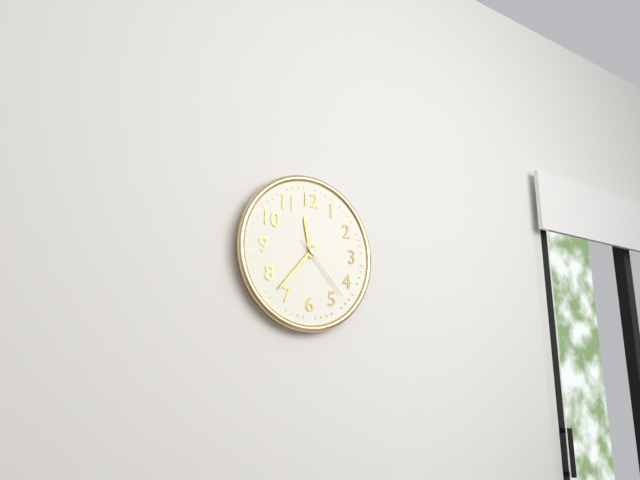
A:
11,37,23
